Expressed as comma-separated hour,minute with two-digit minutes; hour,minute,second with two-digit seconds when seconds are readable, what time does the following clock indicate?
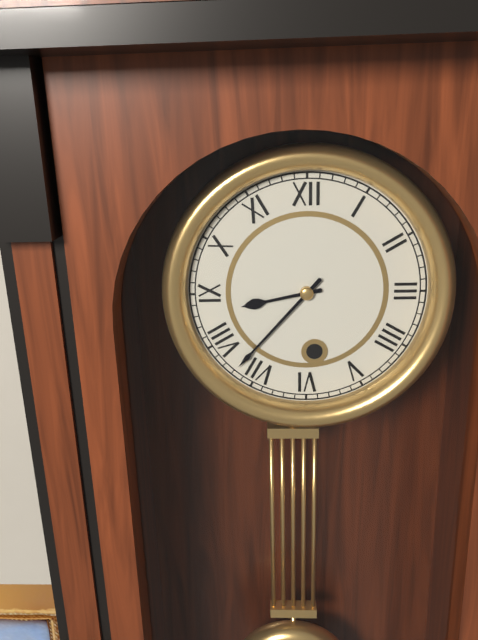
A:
8,37
